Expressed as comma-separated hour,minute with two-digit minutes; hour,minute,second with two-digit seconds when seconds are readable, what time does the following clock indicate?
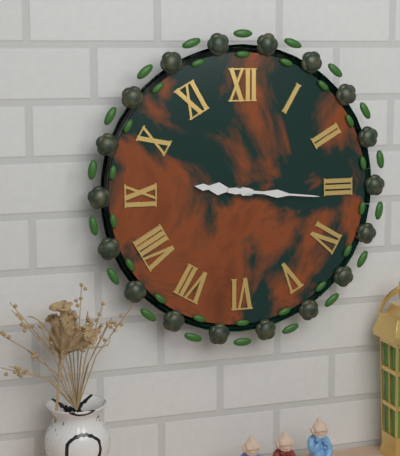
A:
9,16
